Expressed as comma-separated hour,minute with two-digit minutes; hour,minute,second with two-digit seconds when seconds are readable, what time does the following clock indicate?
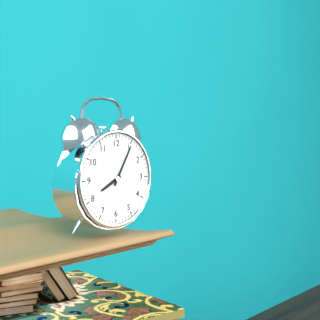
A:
8,05
